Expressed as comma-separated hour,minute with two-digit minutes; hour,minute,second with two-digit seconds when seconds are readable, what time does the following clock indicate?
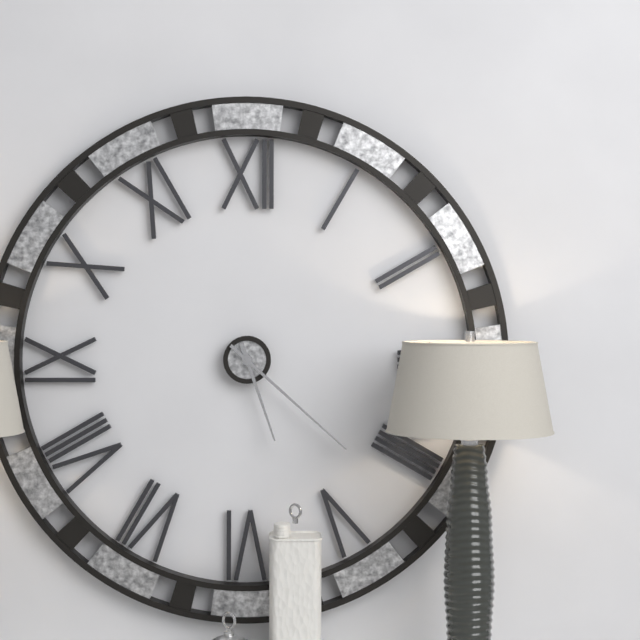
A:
5,22
